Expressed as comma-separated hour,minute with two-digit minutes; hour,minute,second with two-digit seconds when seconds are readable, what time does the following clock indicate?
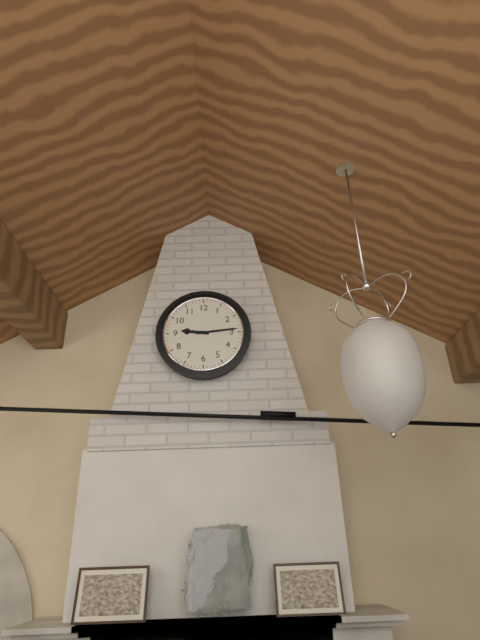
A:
9,14
